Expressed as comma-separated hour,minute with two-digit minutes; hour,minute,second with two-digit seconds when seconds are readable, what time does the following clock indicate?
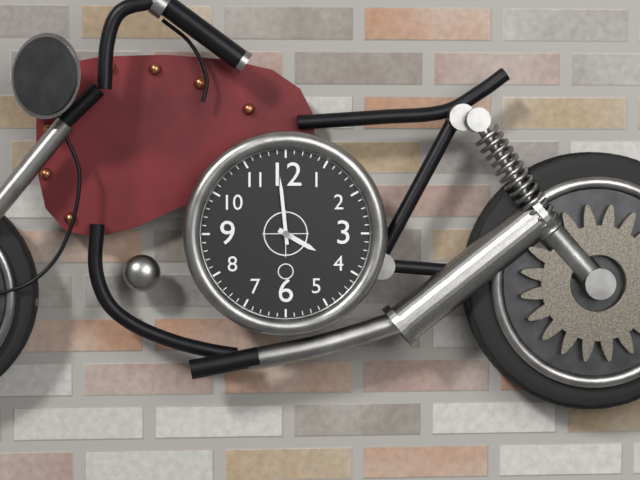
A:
3,59
